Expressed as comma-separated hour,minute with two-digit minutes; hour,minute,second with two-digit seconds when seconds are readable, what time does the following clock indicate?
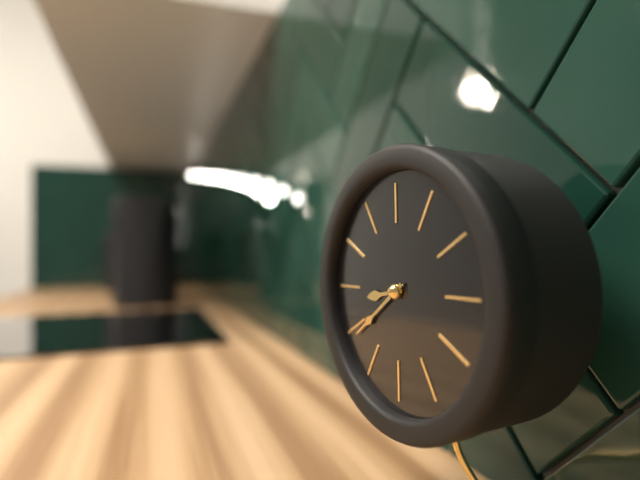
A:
8,39
